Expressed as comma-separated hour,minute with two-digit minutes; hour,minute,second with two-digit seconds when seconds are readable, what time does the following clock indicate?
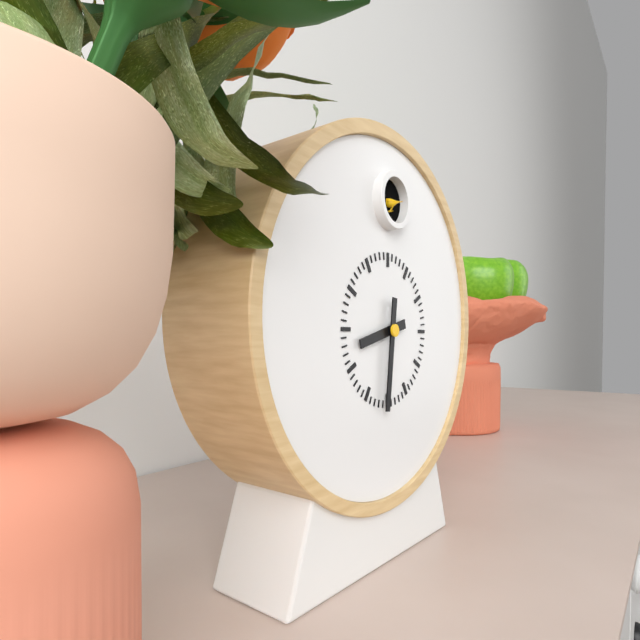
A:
8,31
